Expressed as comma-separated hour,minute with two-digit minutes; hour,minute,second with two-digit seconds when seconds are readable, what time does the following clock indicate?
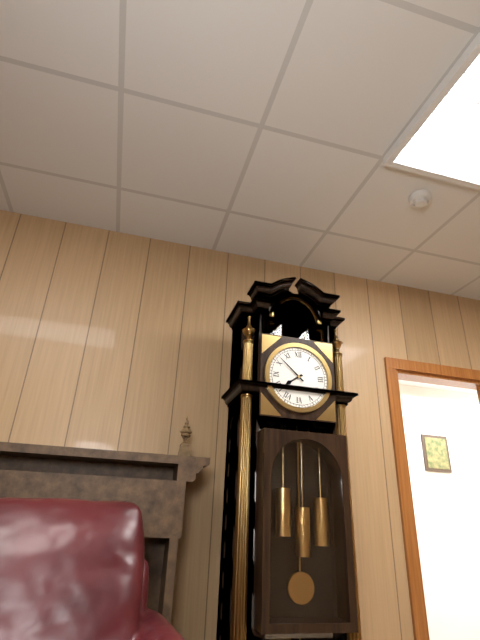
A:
7,52
